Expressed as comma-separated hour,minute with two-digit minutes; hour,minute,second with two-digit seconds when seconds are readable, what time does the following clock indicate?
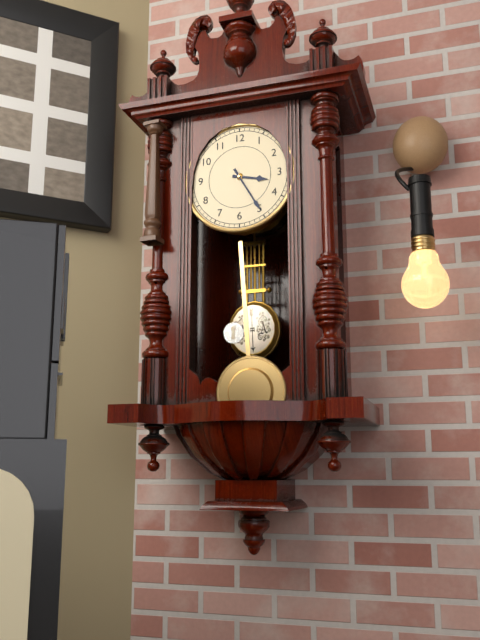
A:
3,25
